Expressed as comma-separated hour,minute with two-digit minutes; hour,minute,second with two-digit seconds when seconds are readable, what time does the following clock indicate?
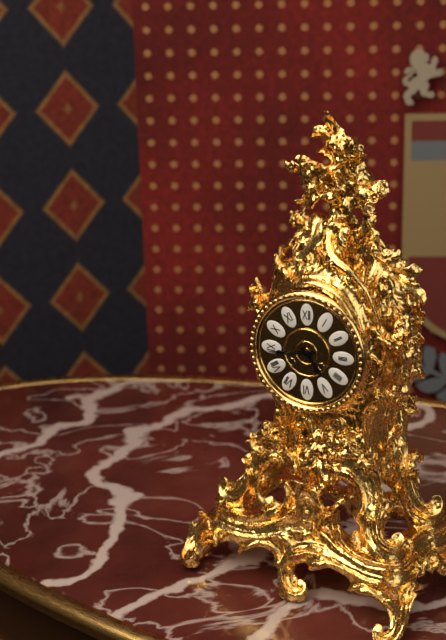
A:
4,44
